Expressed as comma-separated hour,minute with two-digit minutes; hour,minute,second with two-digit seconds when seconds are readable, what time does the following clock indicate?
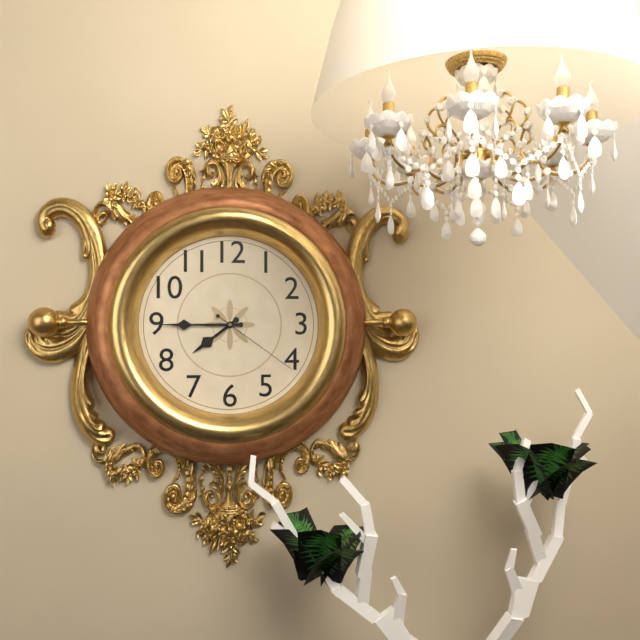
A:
7,45,21
